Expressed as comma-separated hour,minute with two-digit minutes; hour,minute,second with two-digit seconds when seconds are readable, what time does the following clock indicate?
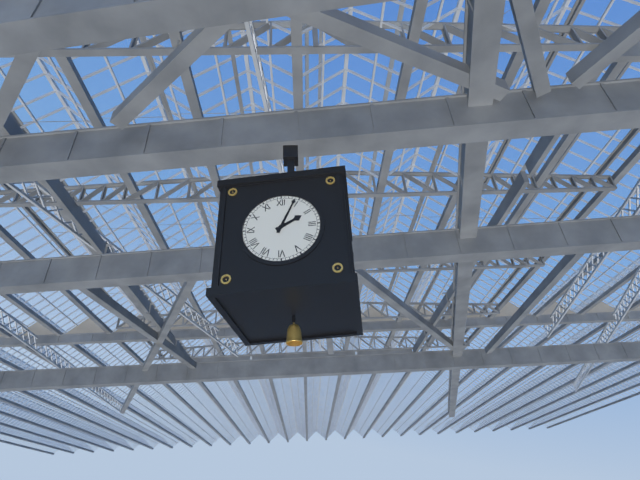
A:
2,04
